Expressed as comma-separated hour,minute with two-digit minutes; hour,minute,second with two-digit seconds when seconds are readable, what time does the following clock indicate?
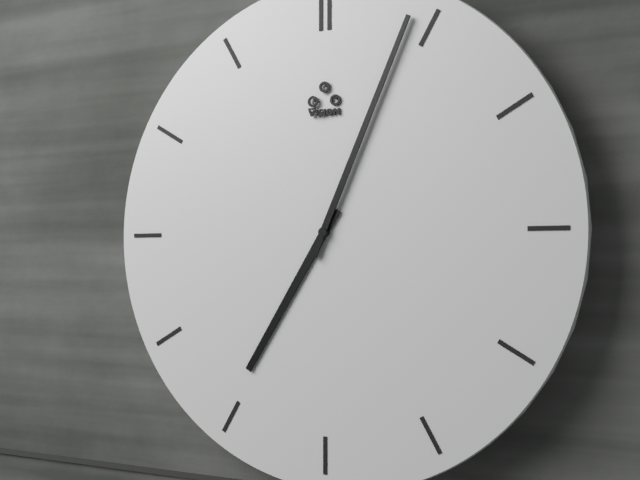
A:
7,04
